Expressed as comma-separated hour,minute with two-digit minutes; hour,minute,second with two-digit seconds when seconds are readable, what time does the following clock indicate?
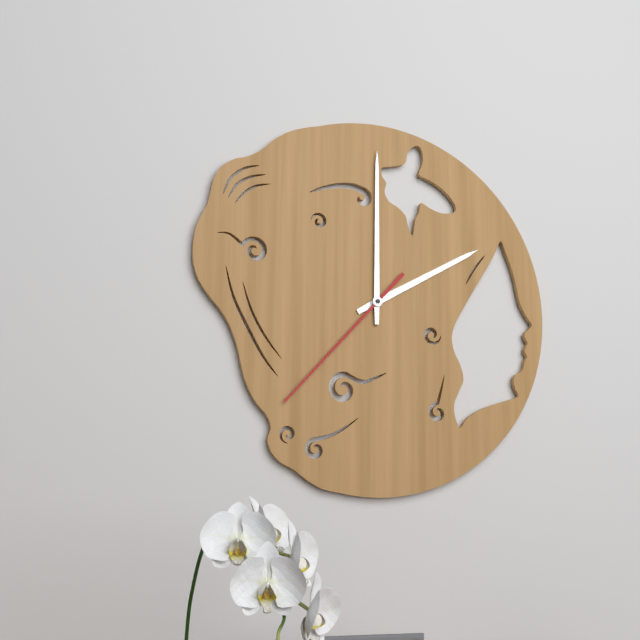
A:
2,00,37
